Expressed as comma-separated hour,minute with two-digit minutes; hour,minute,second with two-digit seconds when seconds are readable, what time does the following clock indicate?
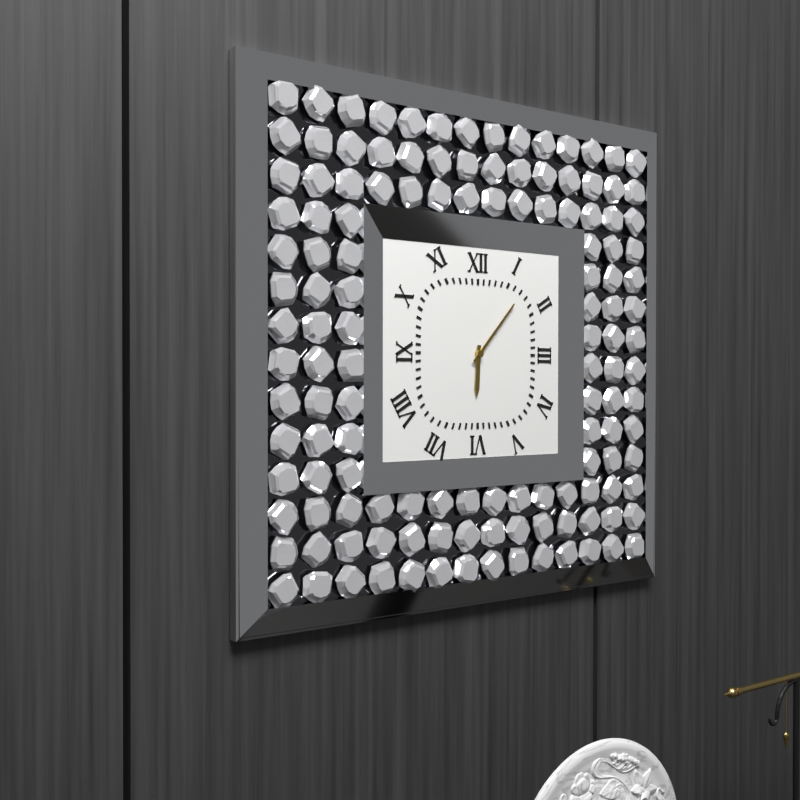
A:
6,07
